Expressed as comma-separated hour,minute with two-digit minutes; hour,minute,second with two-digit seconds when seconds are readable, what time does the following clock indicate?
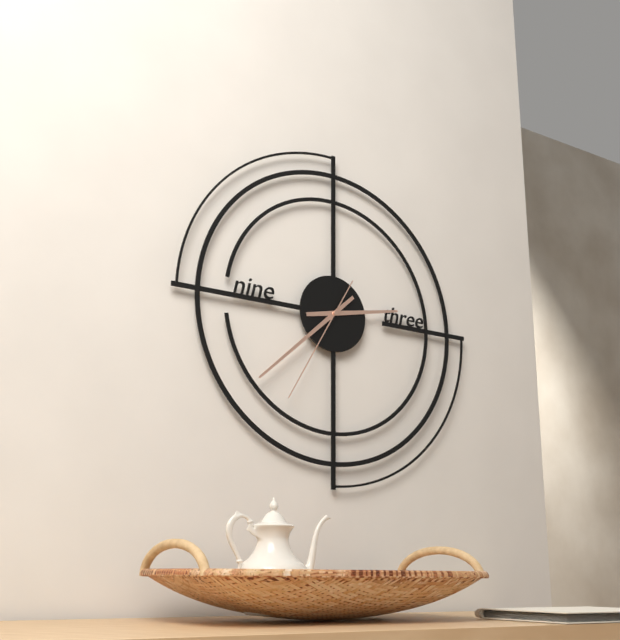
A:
2,38,35
